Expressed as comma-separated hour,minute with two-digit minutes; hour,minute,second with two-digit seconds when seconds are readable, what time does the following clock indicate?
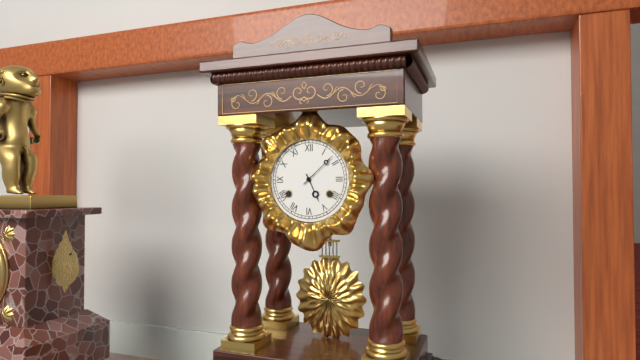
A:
5,08
